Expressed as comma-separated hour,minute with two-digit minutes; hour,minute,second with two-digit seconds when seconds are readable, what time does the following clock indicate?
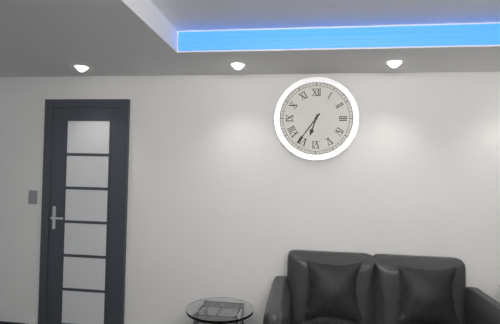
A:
6,36
